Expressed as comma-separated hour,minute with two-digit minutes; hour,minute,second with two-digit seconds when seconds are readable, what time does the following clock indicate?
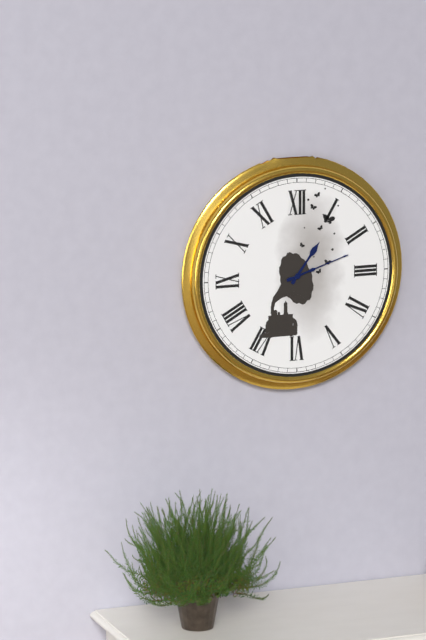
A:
1,12
